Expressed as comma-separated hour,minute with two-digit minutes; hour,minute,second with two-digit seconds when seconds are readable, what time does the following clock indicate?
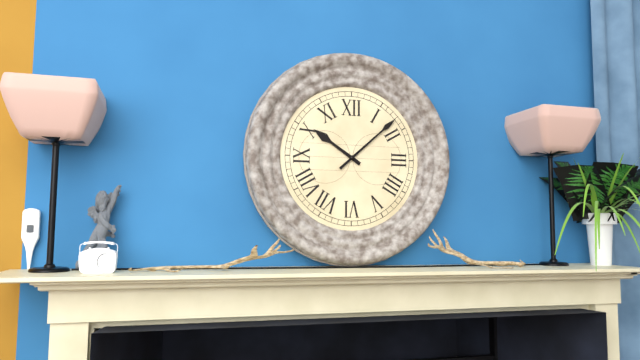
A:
10,08
